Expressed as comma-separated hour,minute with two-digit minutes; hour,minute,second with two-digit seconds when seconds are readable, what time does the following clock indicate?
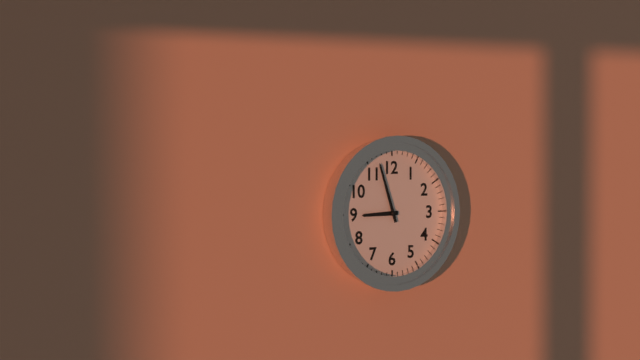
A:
8,57
